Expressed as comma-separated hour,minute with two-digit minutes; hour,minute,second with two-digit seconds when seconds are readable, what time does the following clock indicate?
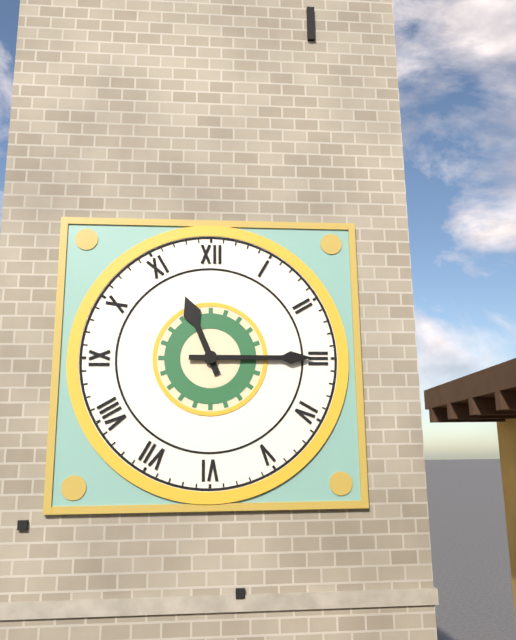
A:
11,15
